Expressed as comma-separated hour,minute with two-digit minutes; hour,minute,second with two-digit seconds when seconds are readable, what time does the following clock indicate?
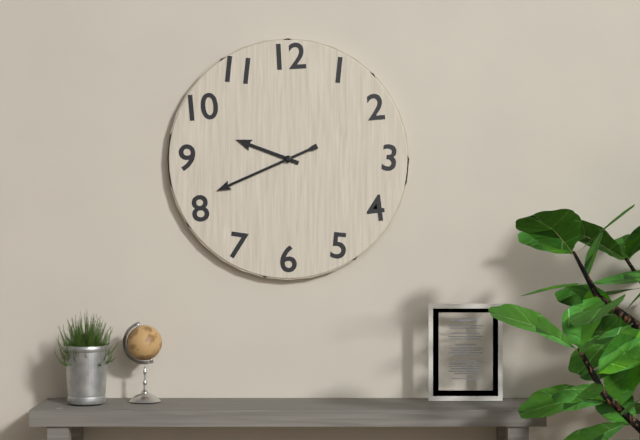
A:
9,41
